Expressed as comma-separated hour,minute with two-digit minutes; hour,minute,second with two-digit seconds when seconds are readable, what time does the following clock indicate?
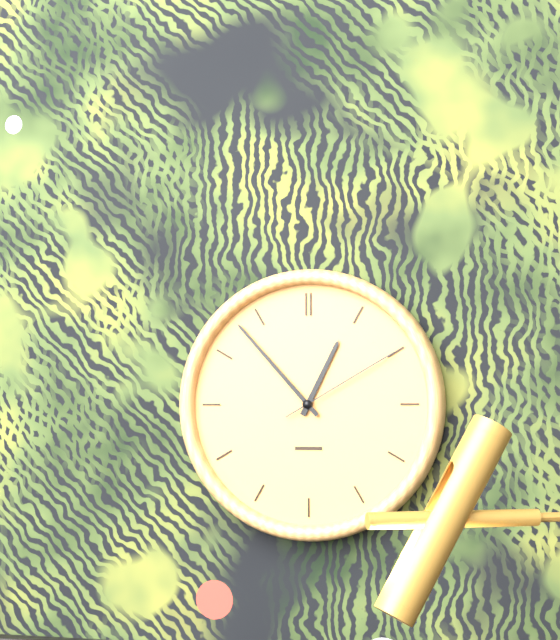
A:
12,53,10
